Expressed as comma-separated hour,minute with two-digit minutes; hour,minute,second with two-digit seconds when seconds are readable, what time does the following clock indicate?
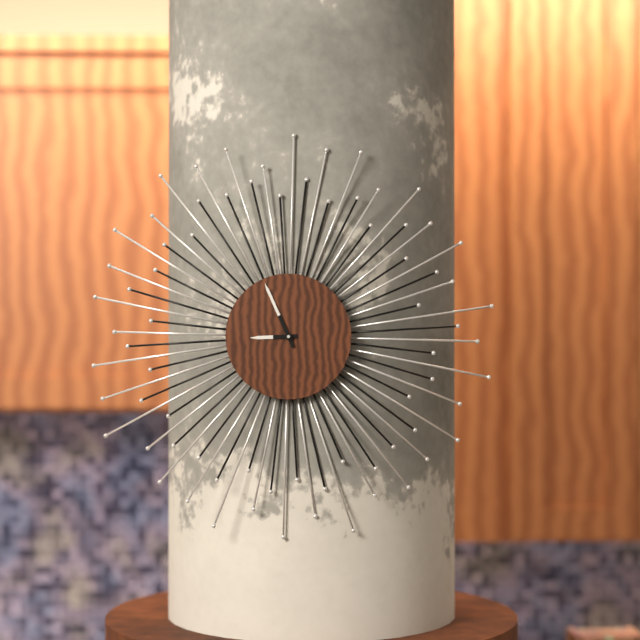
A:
8,56
